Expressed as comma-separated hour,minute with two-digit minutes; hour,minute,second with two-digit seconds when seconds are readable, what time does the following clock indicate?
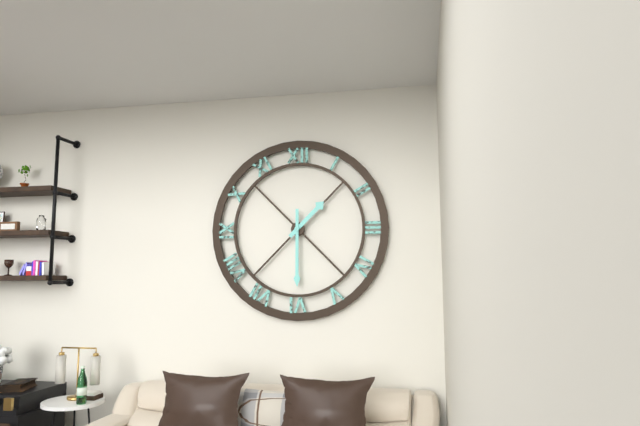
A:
1,30
